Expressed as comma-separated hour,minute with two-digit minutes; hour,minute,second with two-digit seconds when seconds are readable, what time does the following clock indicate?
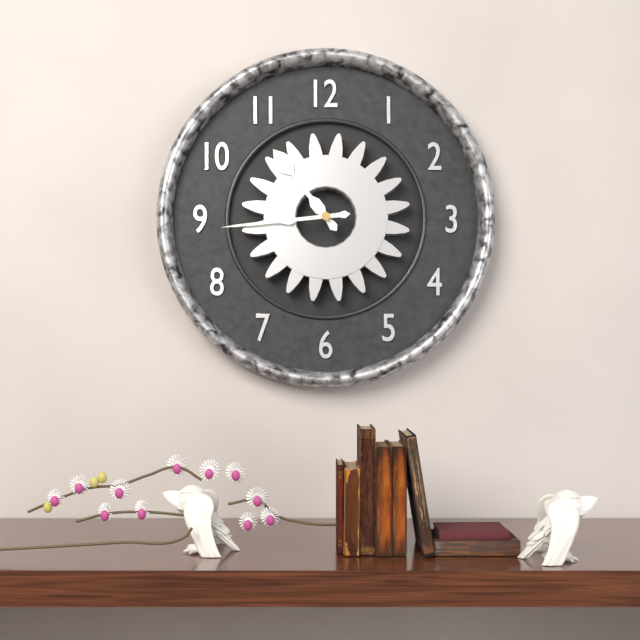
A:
10,44
